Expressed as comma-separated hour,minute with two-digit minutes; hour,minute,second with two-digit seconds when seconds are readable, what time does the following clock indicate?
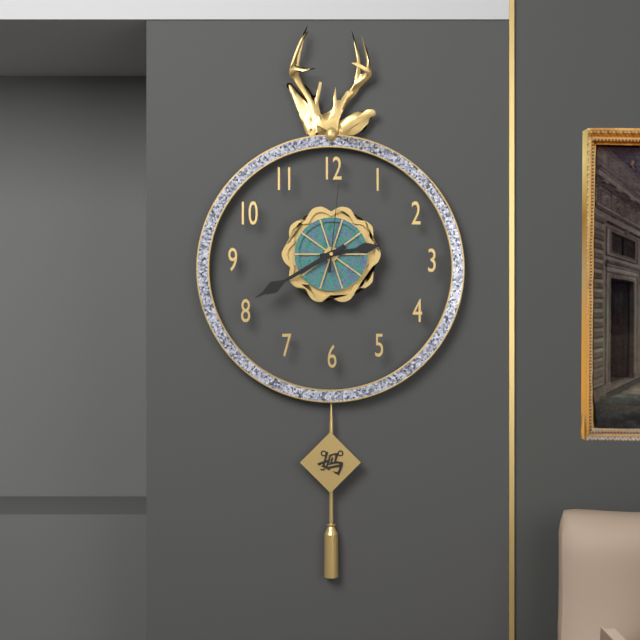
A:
2,40,01
